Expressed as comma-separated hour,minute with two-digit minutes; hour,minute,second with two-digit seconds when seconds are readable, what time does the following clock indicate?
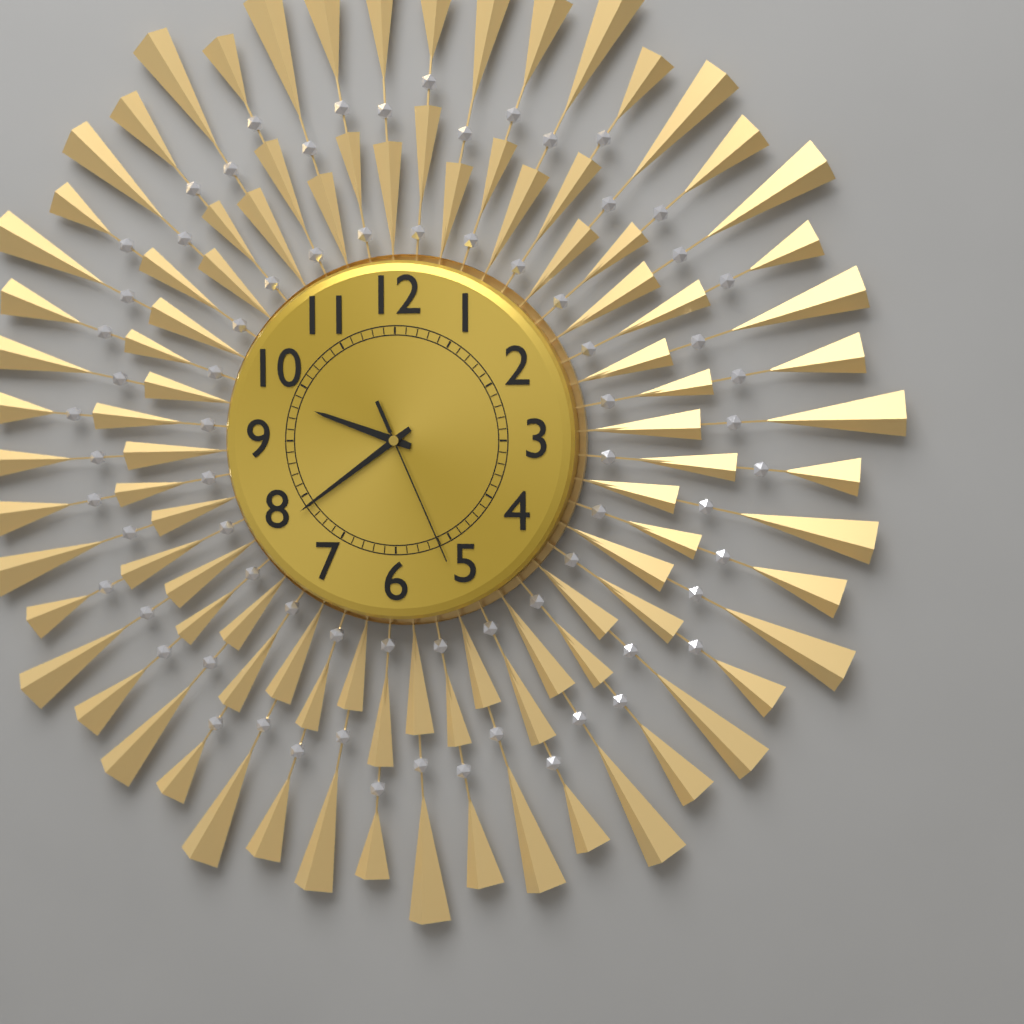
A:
9,39,26
